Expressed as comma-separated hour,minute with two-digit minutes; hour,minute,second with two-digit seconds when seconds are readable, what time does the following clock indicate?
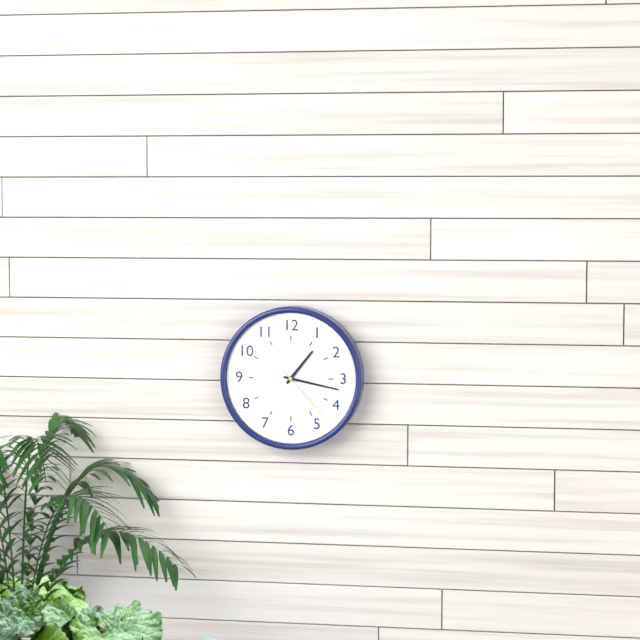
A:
1,17,23
